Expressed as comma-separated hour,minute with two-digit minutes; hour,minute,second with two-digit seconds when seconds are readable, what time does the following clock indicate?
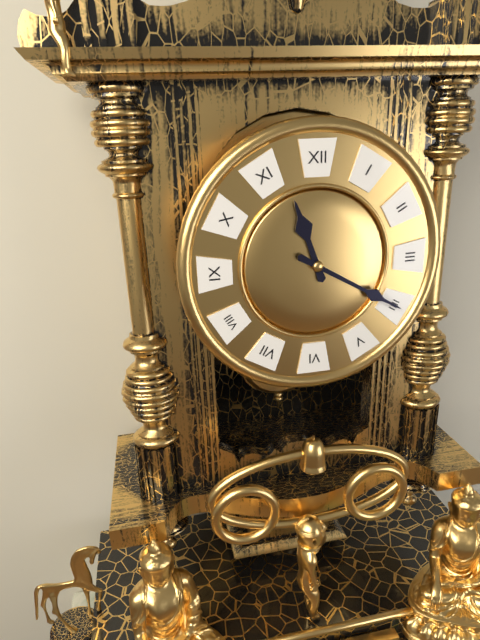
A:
11,20
